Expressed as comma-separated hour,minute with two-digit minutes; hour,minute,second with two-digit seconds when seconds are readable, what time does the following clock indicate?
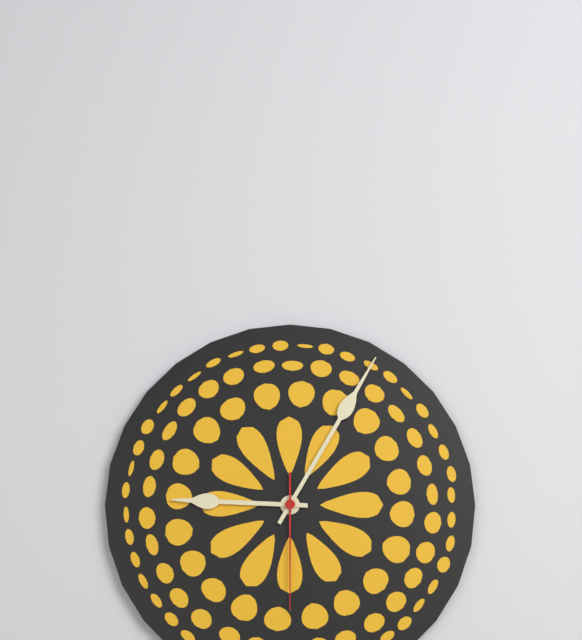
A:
9,05,30
